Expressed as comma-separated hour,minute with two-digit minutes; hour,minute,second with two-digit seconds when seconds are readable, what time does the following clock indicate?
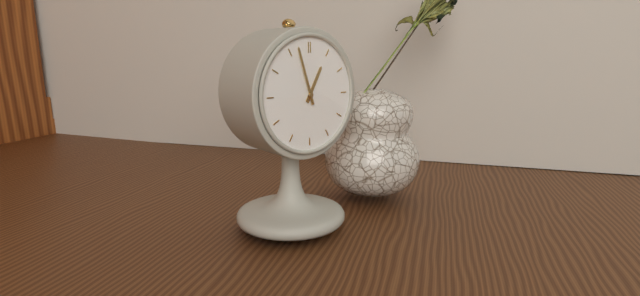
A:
12,57
